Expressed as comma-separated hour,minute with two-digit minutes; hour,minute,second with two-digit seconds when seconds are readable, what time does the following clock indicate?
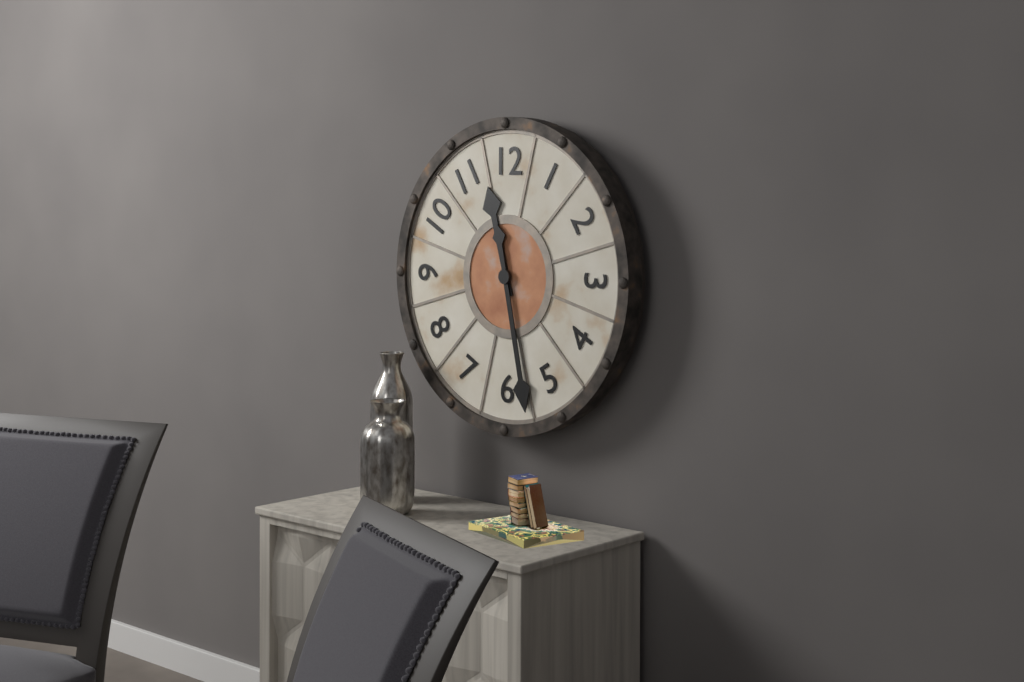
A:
11,28
